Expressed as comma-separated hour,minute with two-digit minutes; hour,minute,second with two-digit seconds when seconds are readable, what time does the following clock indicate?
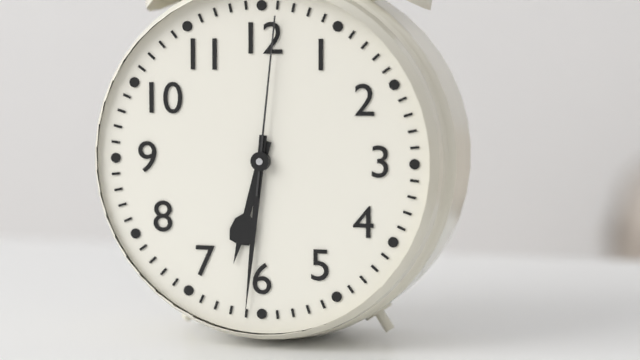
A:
6,31,01
